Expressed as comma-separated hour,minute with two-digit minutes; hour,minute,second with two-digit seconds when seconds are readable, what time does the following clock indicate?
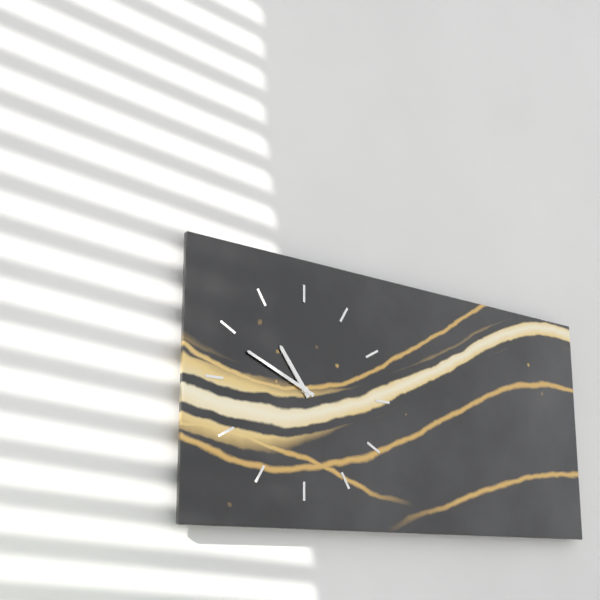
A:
10,49
